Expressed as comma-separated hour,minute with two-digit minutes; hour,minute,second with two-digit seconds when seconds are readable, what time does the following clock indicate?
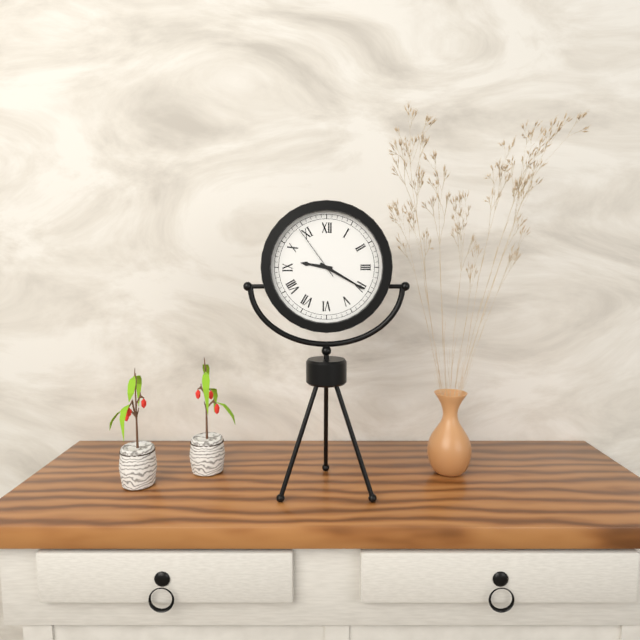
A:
9,20,54
